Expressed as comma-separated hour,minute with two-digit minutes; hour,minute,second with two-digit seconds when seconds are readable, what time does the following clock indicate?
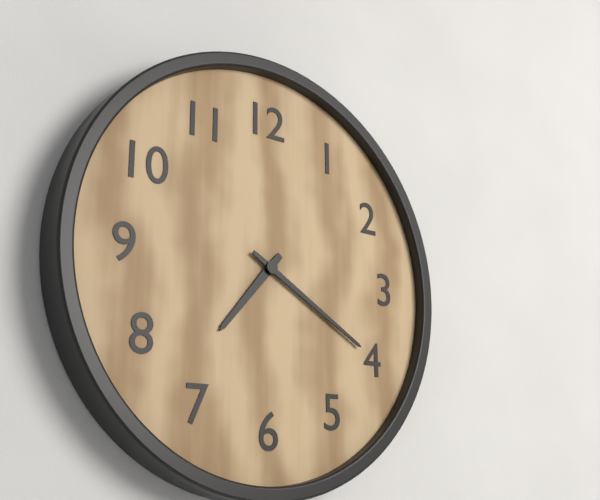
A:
7,20
